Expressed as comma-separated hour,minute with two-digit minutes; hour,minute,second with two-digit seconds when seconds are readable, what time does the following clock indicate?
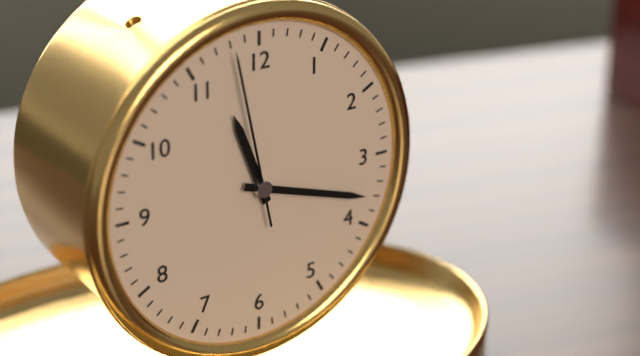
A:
11,18,58
